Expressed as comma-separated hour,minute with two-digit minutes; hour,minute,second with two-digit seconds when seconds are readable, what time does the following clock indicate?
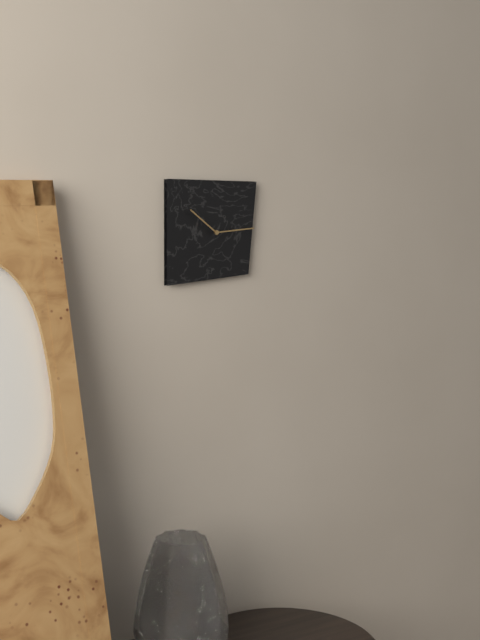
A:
10,14
